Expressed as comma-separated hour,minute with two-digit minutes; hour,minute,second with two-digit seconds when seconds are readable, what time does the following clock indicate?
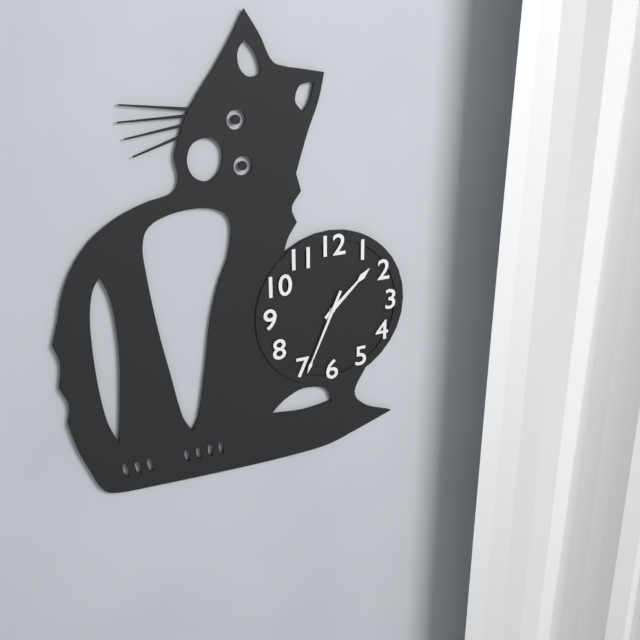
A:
1,34
